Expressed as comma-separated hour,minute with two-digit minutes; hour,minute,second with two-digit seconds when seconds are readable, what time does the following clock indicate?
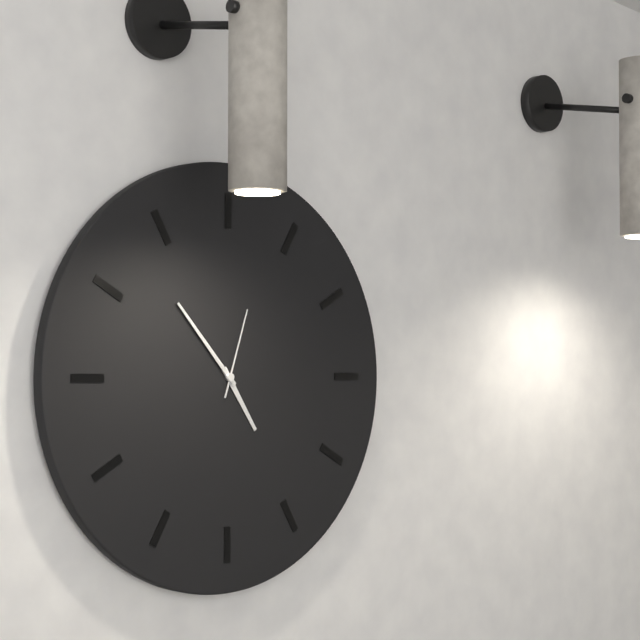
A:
4,53,03
